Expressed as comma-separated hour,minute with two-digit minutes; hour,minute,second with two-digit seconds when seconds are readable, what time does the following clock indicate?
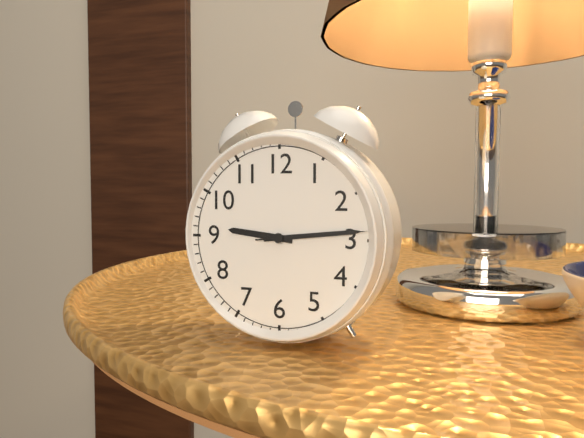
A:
9,14,14
